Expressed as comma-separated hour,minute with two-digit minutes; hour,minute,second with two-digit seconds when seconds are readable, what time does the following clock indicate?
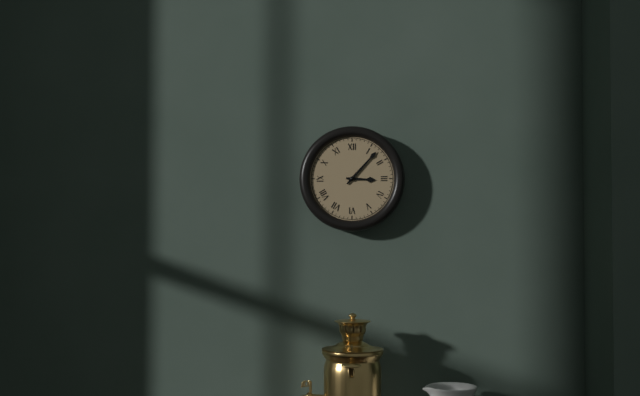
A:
3,07
